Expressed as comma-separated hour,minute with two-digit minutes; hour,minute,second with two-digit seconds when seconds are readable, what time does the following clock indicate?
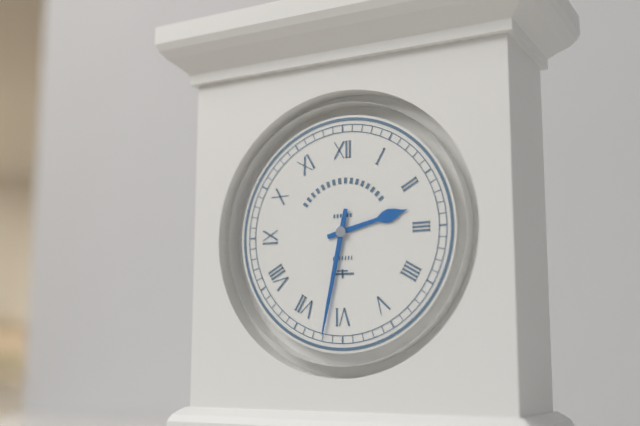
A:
2,32
